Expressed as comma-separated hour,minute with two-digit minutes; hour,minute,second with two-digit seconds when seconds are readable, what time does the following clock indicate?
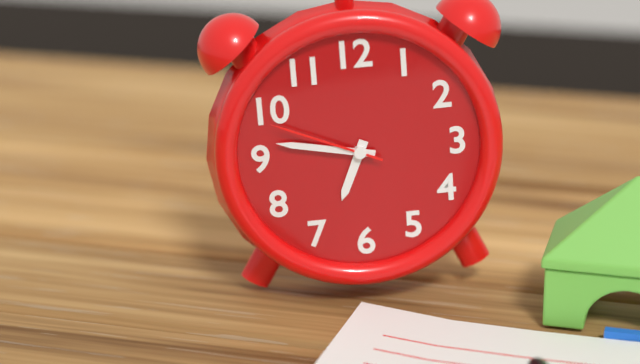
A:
6,47,49
